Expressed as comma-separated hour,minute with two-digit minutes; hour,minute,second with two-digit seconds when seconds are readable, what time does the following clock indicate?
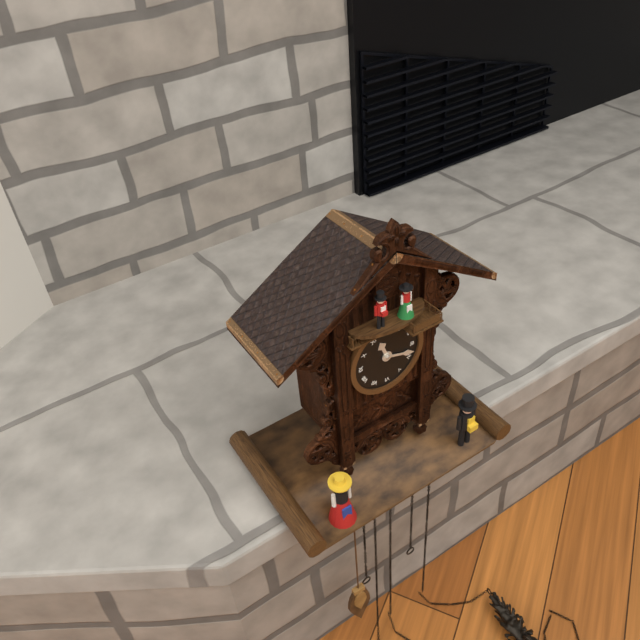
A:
11,18
